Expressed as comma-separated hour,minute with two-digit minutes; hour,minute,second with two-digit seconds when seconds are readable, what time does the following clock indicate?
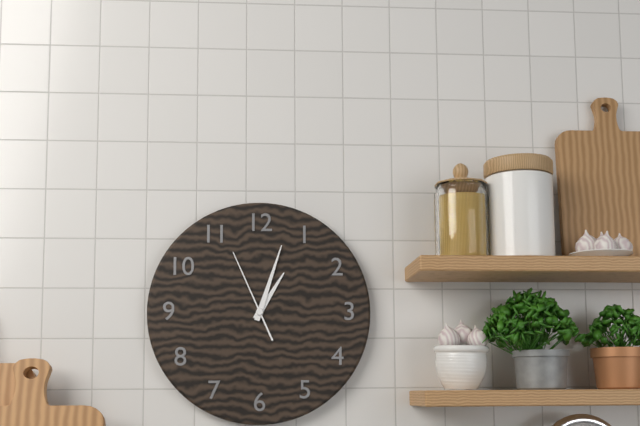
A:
1,03,56
